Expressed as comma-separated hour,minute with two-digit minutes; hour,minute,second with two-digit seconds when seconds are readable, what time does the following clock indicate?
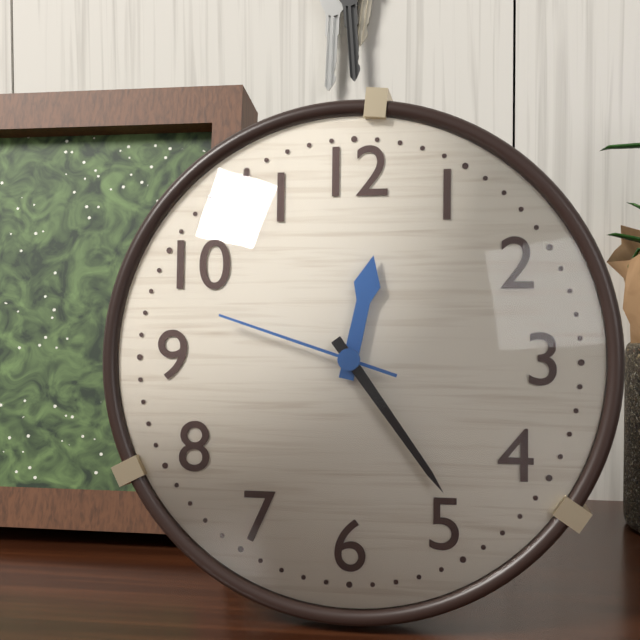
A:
12,24,48
